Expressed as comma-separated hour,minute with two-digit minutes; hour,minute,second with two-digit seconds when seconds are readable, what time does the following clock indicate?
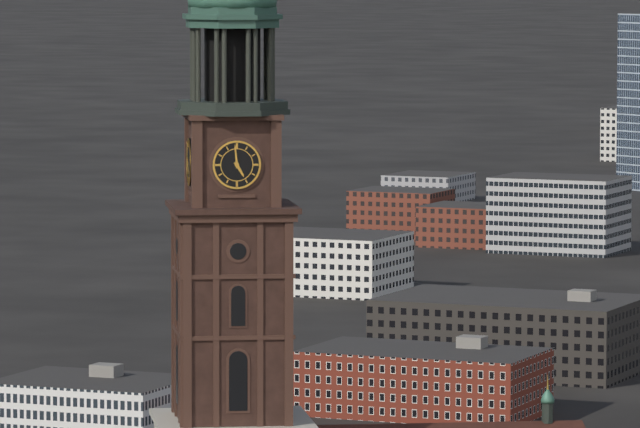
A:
4,59
